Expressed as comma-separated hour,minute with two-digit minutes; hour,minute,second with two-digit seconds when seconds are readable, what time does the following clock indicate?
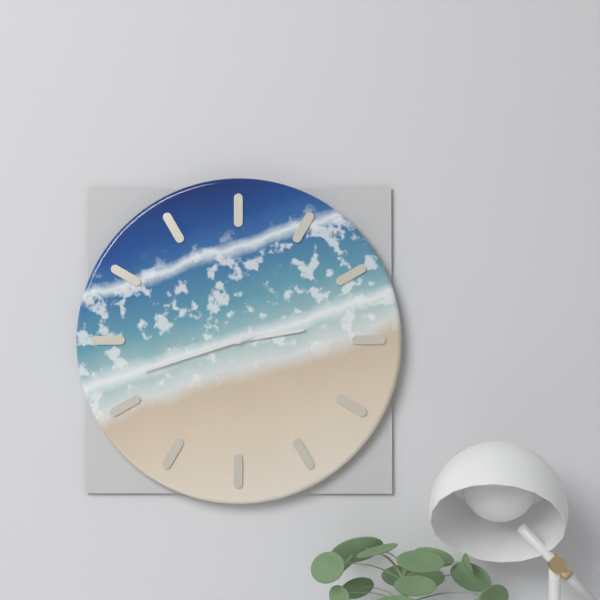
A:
2,42
